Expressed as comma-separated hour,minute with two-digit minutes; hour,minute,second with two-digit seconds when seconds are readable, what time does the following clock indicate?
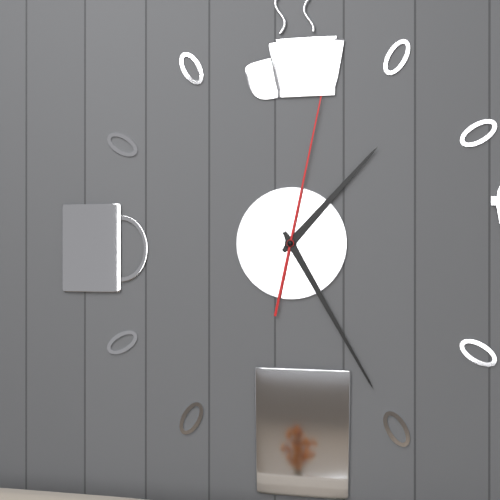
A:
1,25,02
